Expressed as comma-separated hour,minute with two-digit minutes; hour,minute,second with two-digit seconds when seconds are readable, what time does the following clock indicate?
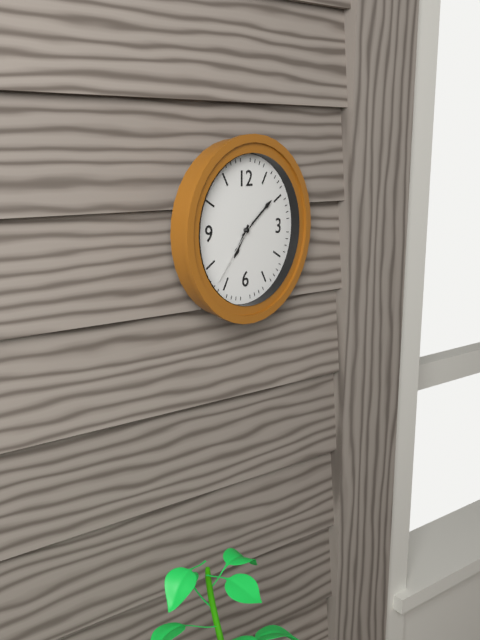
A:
7,09,37
